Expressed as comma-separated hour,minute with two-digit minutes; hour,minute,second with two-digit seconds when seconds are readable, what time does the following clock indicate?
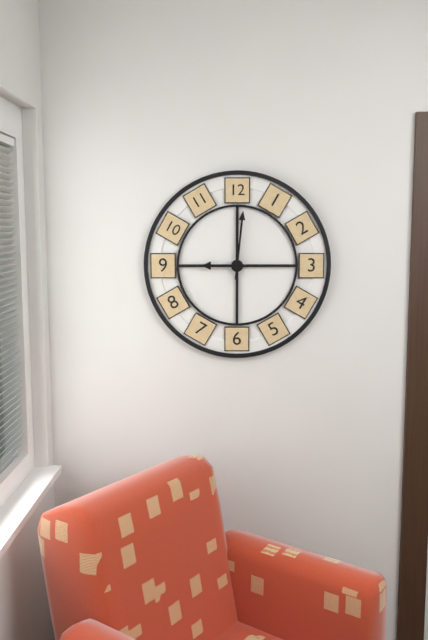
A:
9,01
